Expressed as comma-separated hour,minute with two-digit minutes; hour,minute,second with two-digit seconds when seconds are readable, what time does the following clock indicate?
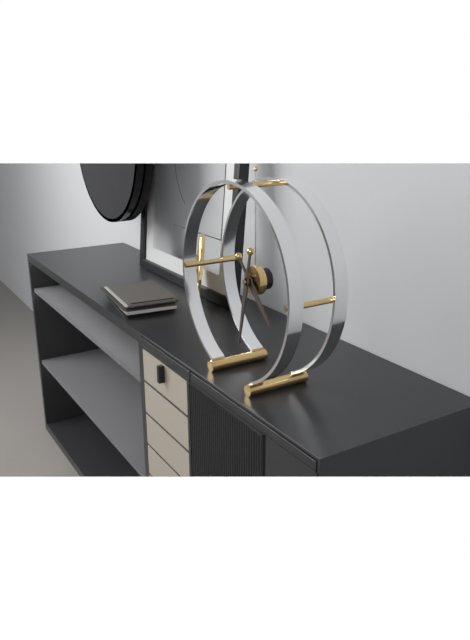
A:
4,32
